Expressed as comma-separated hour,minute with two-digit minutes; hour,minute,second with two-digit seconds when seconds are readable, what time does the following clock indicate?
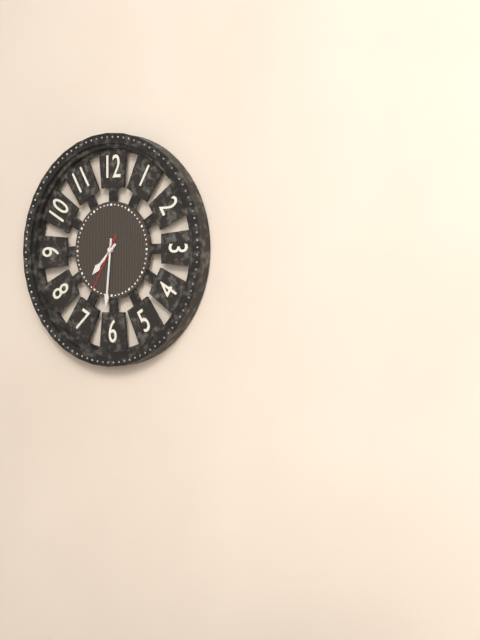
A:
7,31,35
